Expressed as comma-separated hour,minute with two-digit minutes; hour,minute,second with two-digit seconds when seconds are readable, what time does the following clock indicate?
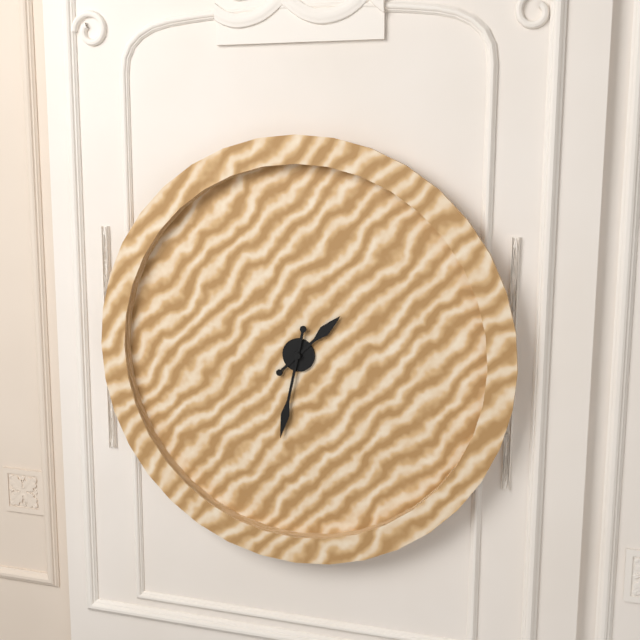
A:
1,32
